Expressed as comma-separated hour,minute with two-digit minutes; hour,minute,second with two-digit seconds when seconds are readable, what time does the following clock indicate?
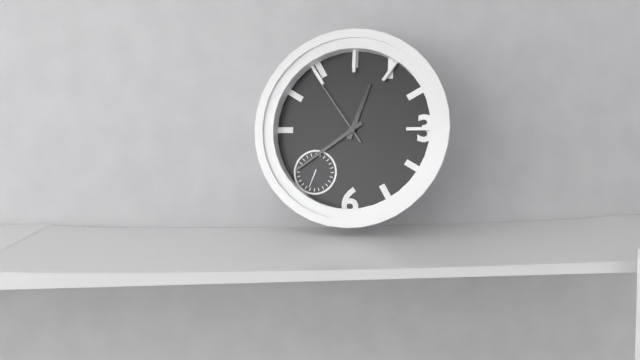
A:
12,39,54
